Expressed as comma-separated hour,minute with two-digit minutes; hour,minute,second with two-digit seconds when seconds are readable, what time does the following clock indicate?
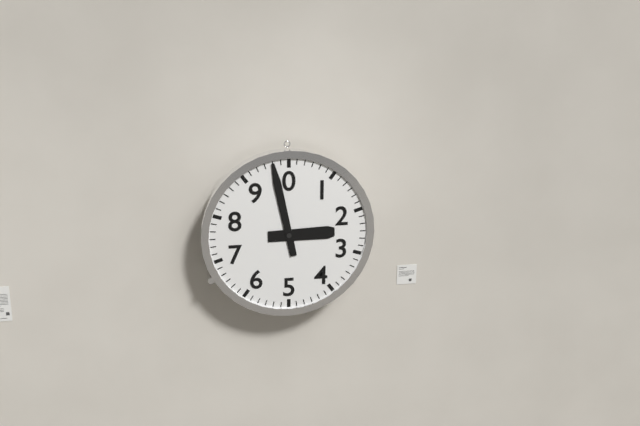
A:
2,58
